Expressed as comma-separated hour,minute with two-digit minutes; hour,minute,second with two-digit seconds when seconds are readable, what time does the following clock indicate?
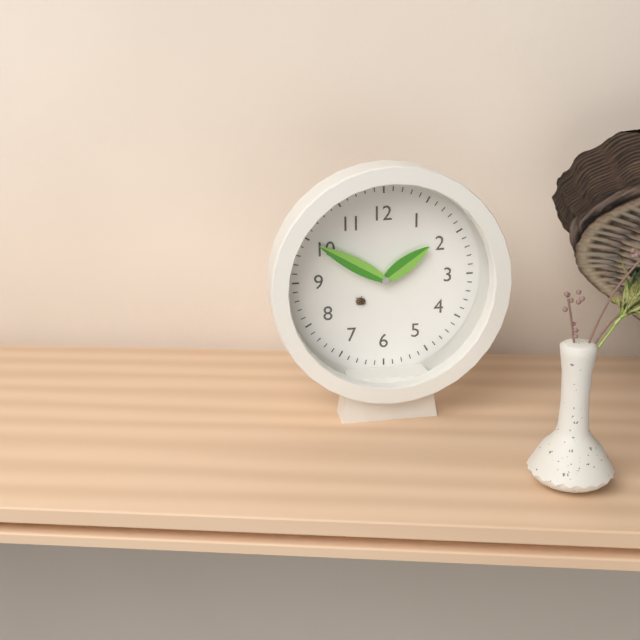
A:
1,50
